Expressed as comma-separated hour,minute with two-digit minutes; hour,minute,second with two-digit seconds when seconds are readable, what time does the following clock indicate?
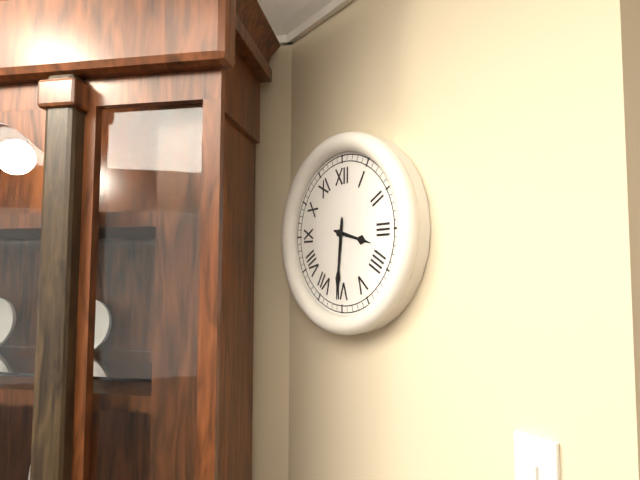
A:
3,31
